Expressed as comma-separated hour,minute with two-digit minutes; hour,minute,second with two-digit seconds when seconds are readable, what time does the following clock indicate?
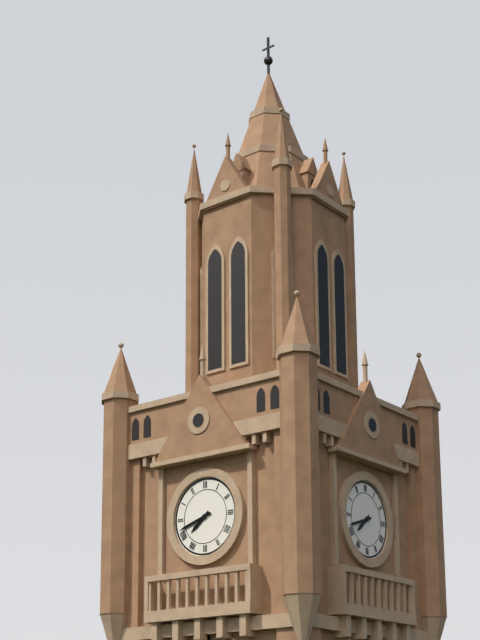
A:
7,42
